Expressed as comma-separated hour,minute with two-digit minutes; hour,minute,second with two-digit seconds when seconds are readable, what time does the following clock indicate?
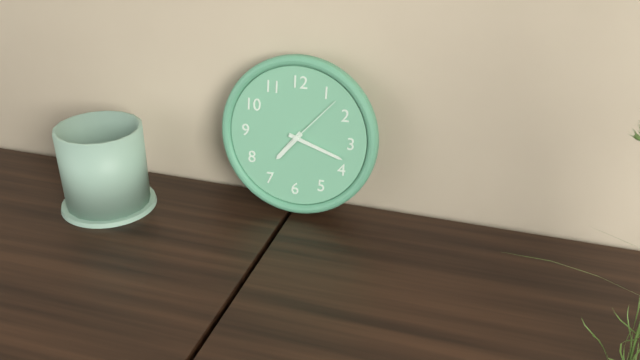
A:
7,18,07
